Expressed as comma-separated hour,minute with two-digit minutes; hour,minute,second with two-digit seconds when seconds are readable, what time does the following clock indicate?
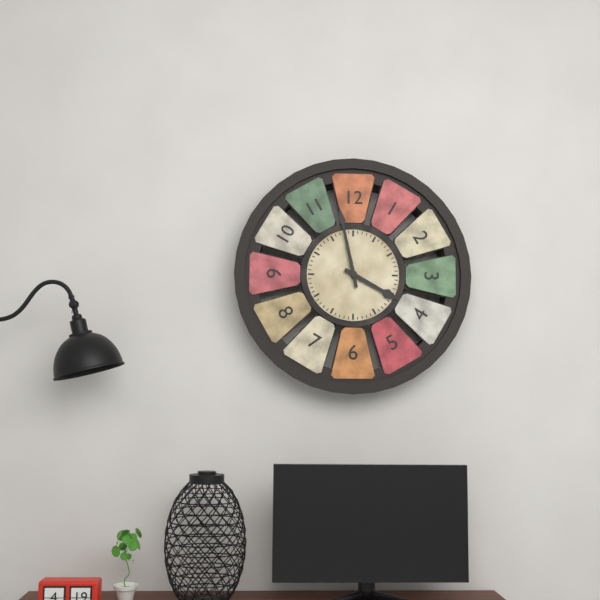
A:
3,58
